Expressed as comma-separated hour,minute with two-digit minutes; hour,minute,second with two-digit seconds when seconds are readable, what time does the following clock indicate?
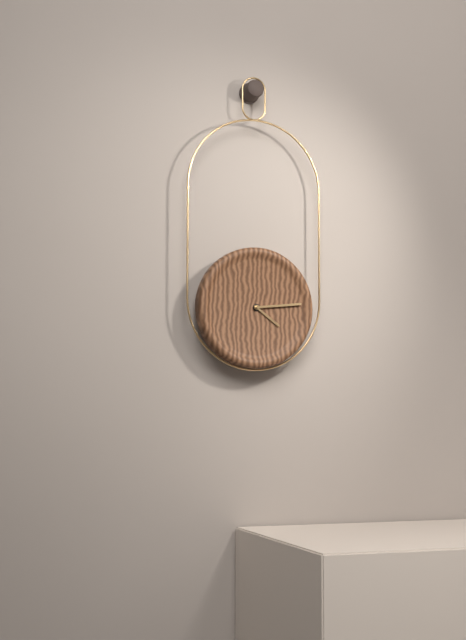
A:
4,14
